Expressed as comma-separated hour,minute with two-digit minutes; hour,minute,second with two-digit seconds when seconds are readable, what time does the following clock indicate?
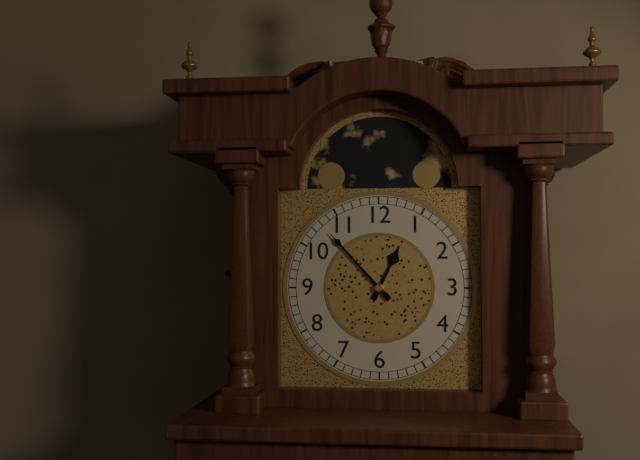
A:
12,53
